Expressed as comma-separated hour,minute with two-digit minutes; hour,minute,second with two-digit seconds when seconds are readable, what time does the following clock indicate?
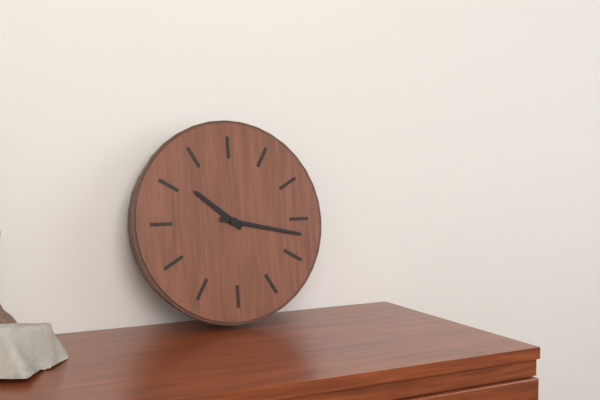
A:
10,17
